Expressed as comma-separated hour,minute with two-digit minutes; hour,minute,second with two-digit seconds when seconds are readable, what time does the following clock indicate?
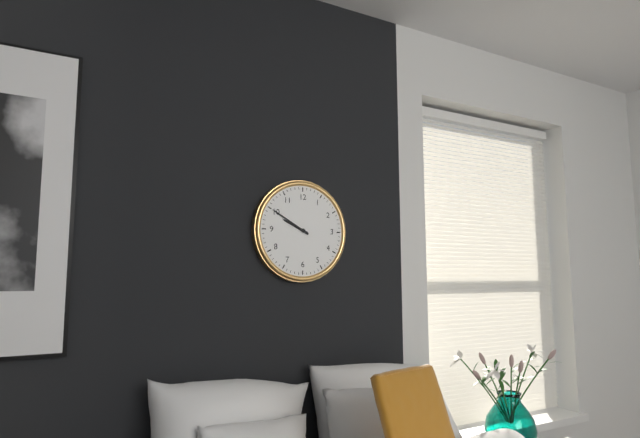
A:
9,50
